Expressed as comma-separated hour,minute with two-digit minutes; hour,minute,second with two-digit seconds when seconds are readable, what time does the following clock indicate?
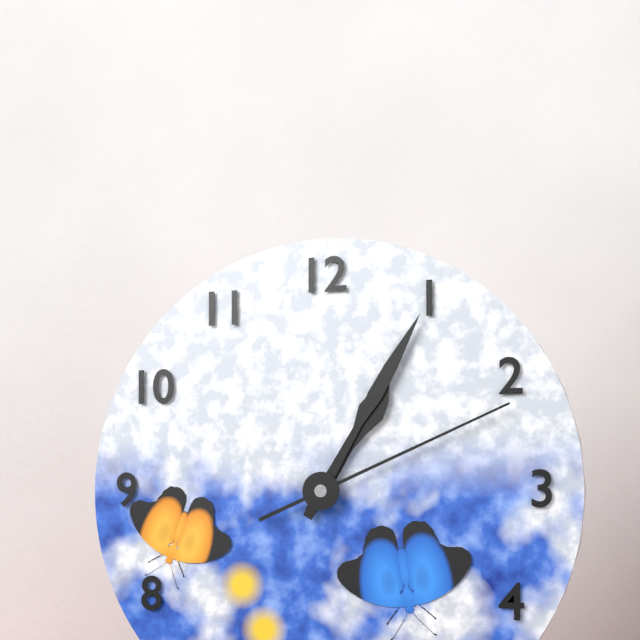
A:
1,05,11
